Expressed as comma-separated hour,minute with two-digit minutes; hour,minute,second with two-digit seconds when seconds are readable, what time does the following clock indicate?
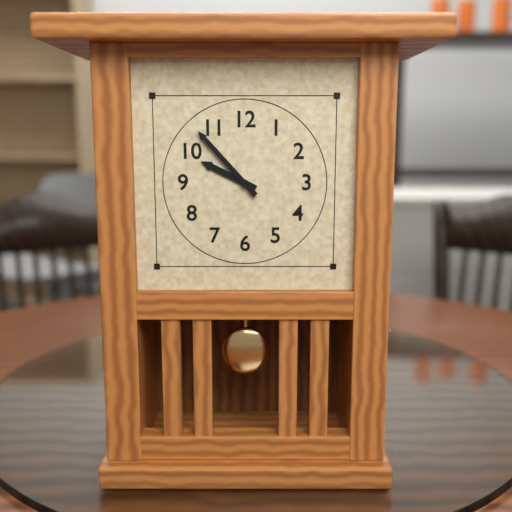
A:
9,53
